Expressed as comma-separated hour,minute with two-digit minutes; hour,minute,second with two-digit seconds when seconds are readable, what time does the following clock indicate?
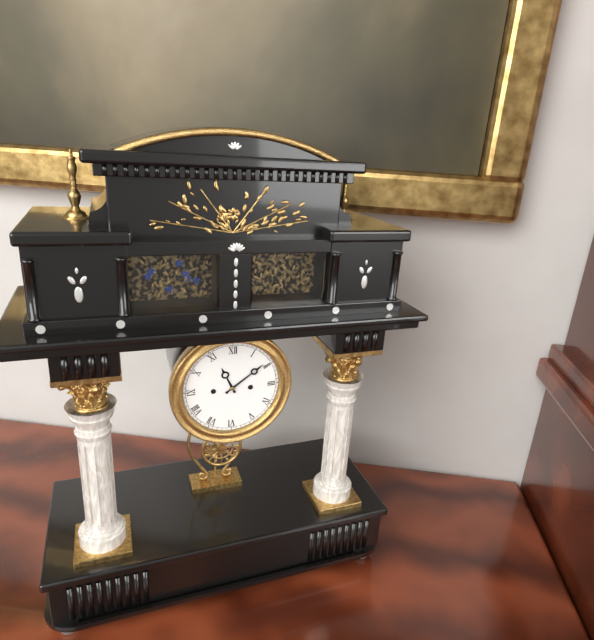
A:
11,09
